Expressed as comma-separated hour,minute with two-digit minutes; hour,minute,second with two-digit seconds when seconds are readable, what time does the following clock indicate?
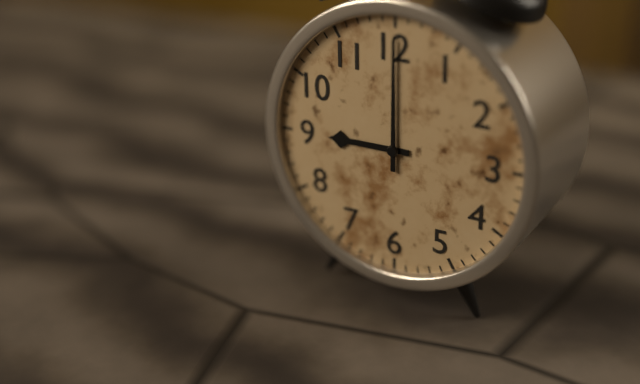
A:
9,00
